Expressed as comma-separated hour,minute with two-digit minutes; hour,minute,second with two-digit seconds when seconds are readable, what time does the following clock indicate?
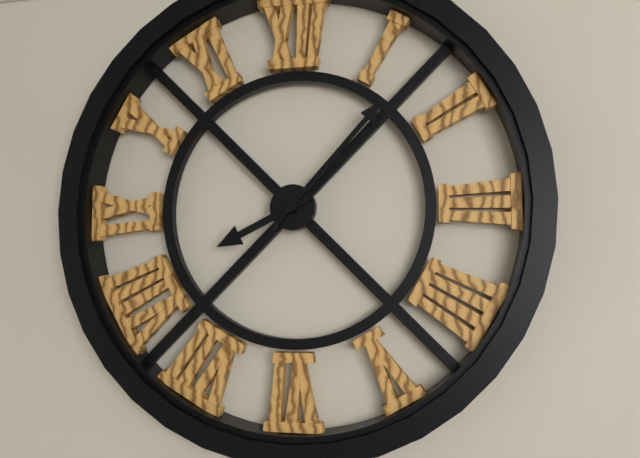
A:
8,07
